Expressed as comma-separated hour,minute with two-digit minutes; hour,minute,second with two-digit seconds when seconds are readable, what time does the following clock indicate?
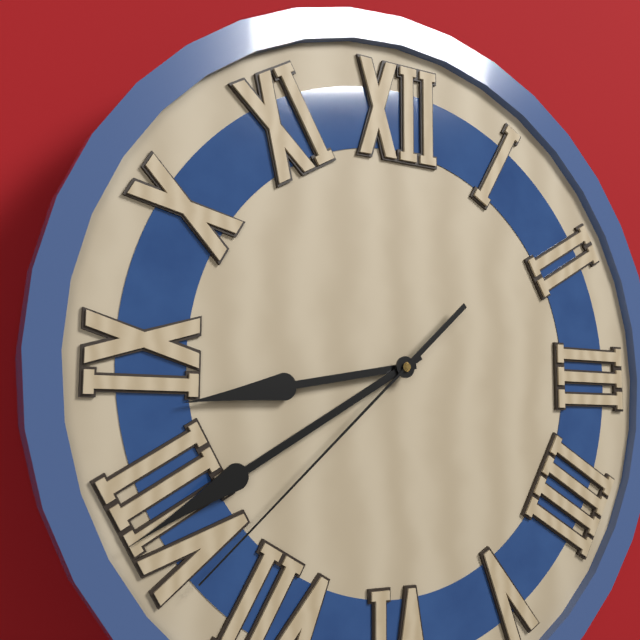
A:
8,40,38
